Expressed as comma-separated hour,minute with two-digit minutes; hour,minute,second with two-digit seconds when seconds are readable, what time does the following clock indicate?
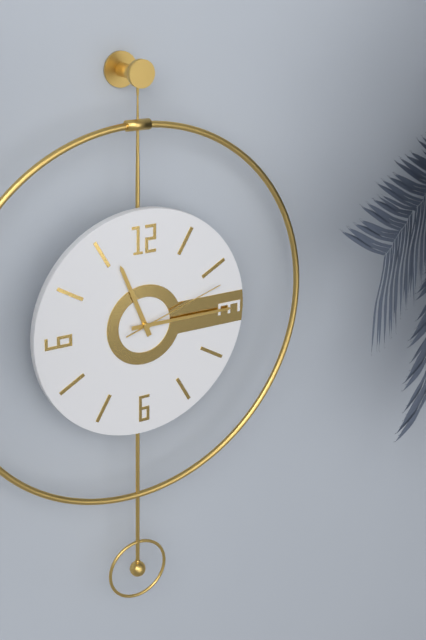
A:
11,15,12
